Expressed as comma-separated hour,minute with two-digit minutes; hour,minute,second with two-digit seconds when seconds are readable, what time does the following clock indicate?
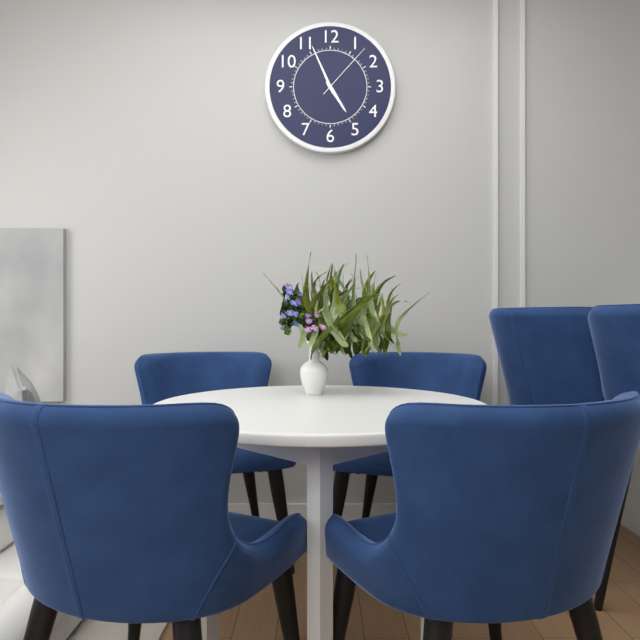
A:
4,56,07
